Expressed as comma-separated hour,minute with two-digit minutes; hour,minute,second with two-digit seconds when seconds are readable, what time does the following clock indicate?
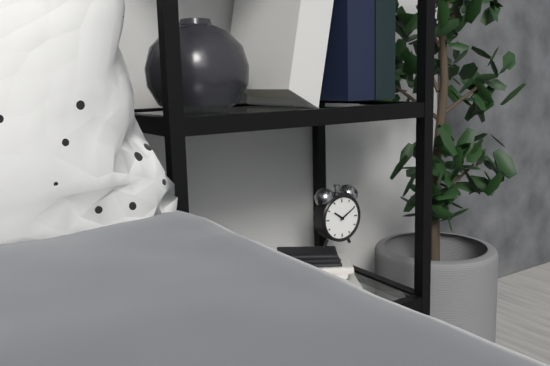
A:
10,10
